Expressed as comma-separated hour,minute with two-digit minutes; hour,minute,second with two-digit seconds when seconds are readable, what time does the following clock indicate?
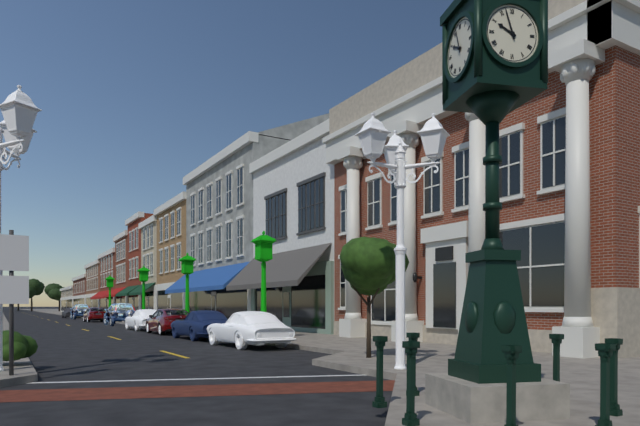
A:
9,57
